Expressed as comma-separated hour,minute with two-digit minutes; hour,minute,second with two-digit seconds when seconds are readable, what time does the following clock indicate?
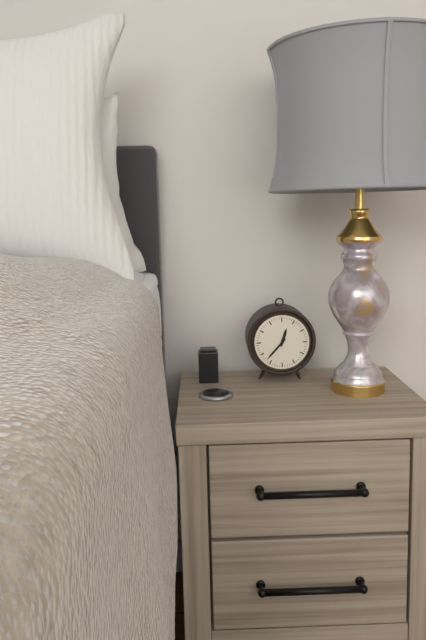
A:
12,37
